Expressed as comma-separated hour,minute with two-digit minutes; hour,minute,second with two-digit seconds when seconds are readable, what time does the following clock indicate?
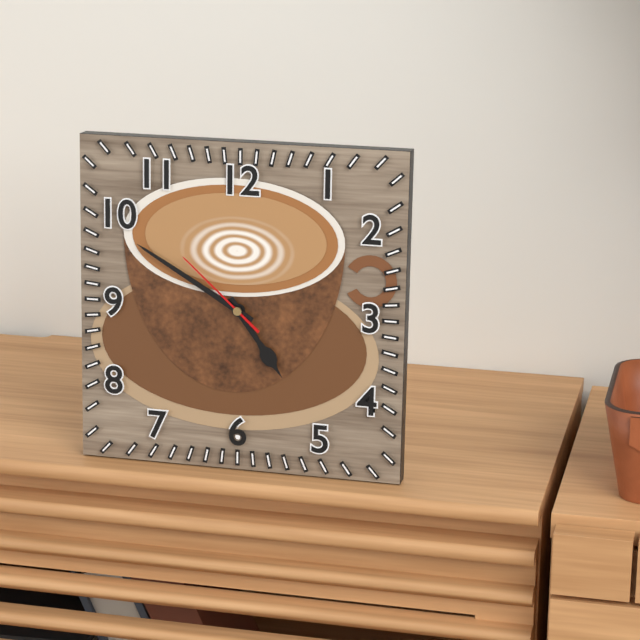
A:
4,50,52
